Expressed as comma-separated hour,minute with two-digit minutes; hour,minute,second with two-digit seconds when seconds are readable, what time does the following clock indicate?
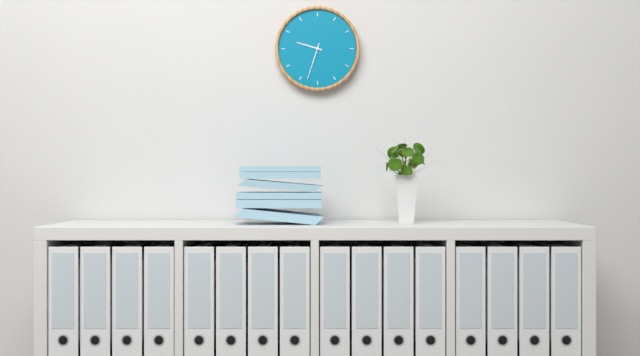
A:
9,33
